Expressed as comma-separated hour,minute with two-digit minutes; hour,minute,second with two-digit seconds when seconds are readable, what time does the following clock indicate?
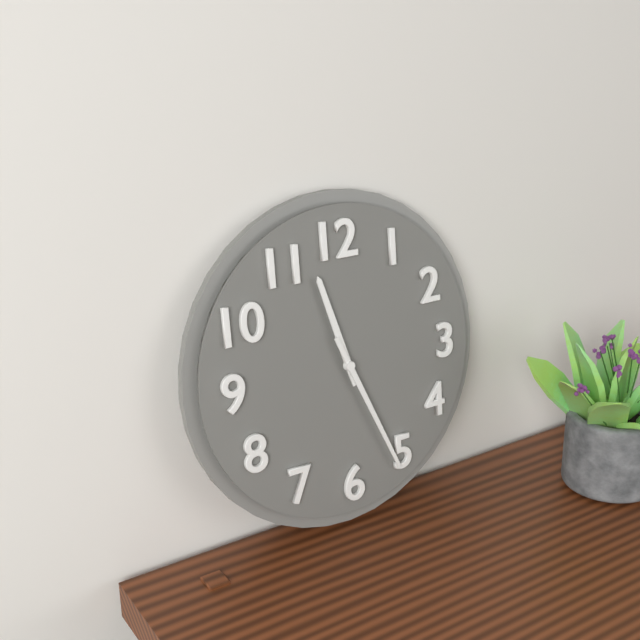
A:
11,26
